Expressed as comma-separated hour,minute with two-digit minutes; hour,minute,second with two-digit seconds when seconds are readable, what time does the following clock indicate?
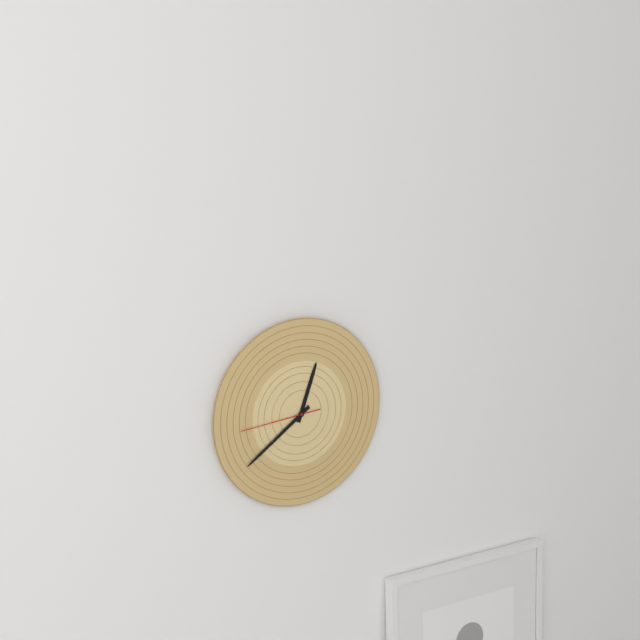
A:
12,39,44
